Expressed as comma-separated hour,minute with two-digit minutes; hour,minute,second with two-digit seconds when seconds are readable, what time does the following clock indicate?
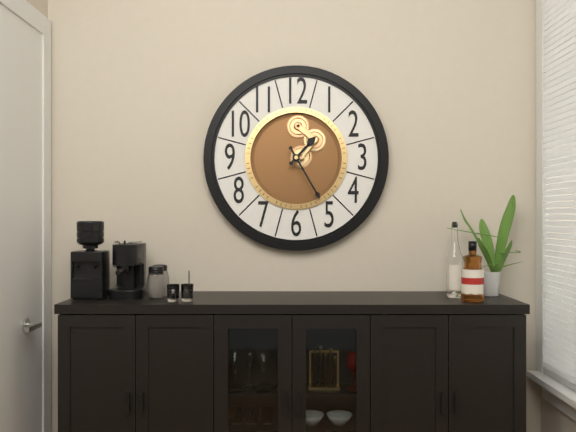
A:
1,25
